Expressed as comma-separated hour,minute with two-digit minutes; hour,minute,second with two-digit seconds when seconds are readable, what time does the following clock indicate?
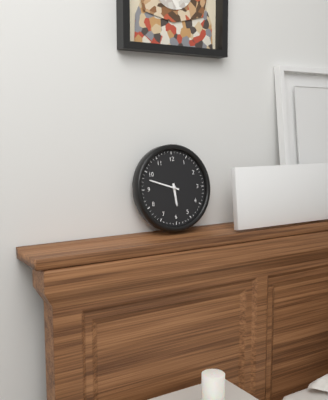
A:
5,48
